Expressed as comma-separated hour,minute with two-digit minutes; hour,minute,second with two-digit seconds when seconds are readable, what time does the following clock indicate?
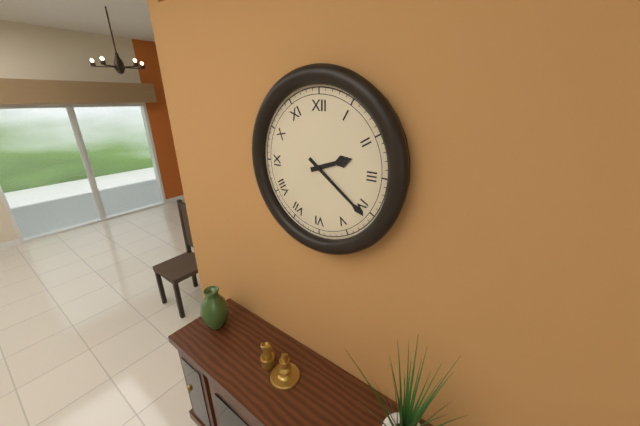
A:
2,21
